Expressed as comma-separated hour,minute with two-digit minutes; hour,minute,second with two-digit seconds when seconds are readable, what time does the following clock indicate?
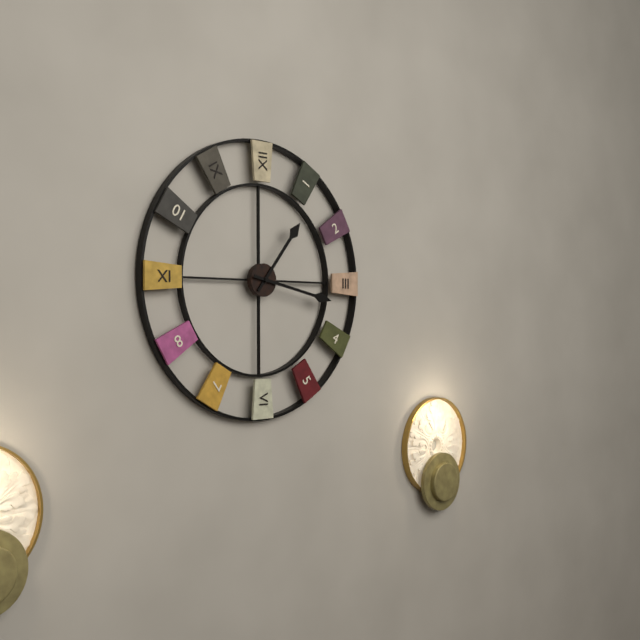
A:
1,17
